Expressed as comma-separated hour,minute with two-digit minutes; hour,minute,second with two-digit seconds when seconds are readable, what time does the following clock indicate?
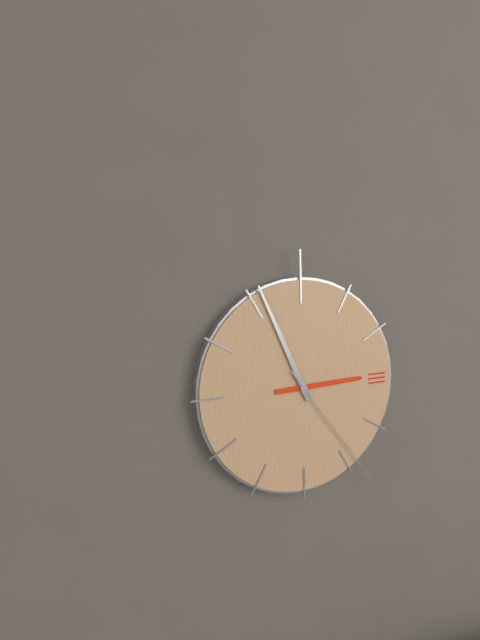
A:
2,56,24
